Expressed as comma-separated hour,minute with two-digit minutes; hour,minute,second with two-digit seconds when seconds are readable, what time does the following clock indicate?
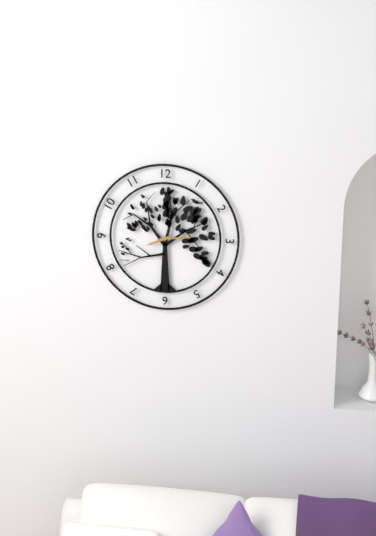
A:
8,14
